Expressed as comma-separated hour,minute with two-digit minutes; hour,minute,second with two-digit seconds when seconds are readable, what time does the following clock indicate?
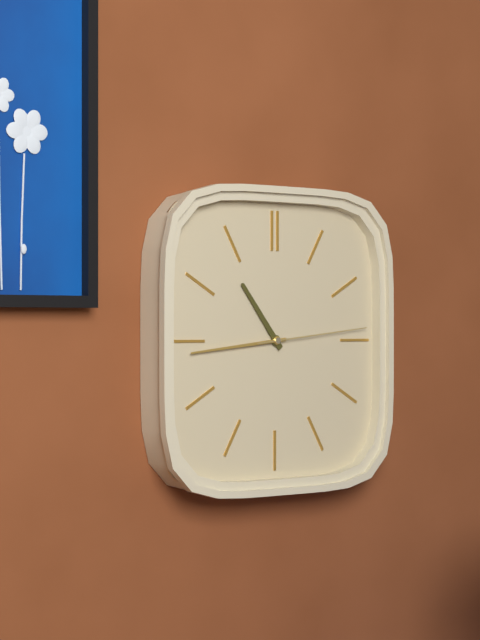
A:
10,44,14
